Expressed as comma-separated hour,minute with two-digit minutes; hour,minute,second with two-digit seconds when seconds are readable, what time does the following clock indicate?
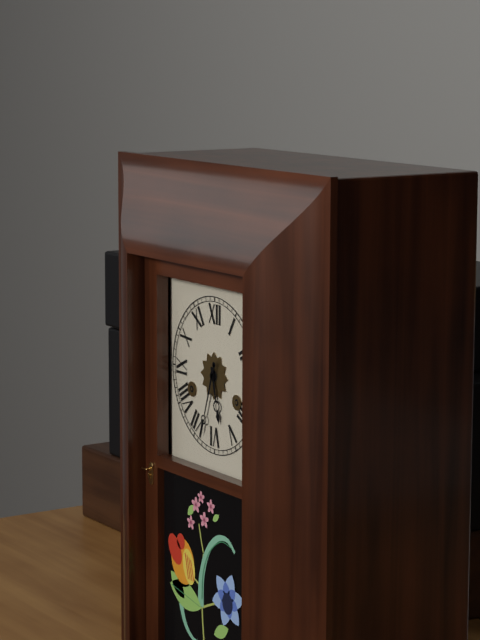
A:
5,33
